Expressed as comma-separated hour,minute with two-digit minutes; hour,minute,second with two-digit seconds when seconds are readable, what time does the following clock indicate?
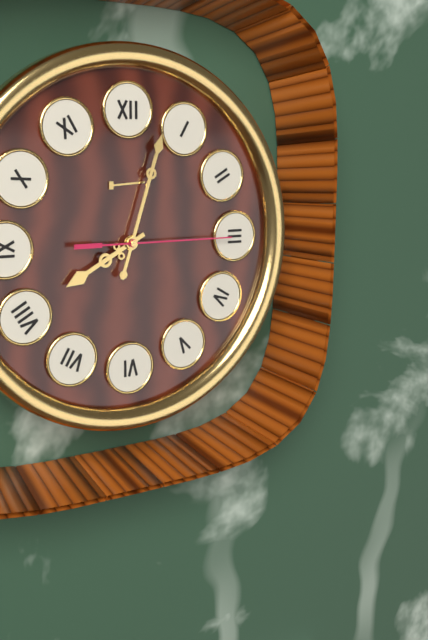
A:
8,03,15
